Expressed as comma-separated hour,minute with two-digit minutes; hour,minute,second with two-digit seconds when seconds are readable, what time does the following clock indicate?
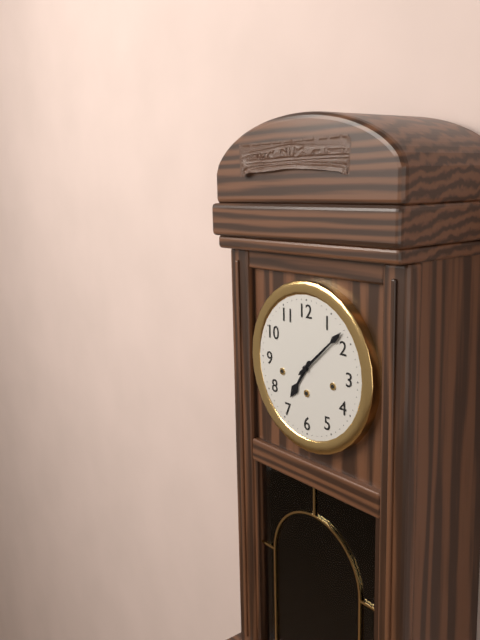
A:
7,08
